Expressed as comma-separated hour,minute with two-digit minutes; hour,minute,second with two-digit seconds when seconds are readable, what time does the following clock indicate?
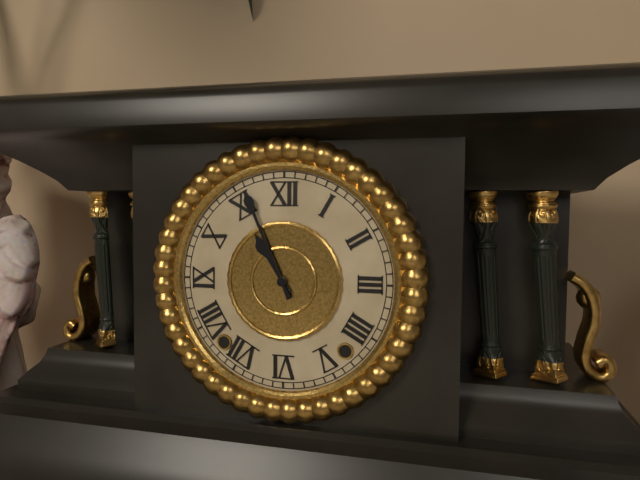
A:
10,56
